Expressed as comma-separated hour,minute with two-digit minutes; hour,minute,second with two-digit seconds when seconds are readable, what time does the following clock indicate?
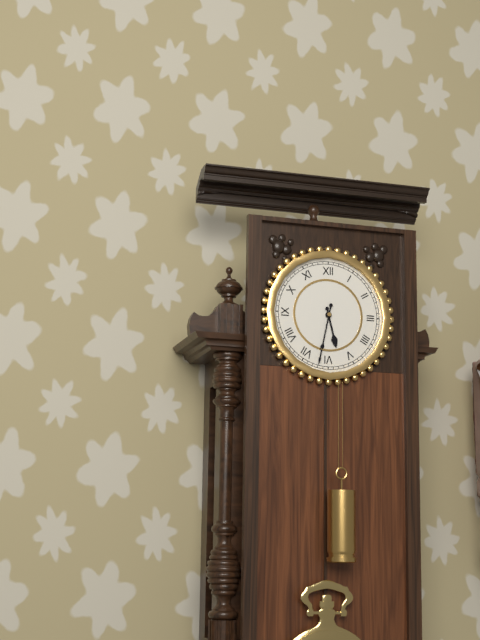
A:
5,32
